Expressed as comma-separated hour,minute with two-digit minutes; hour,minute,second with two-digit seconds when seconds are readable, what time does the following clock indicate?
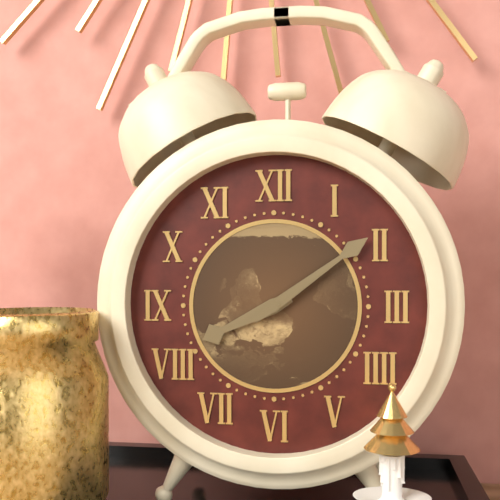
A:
8,09
